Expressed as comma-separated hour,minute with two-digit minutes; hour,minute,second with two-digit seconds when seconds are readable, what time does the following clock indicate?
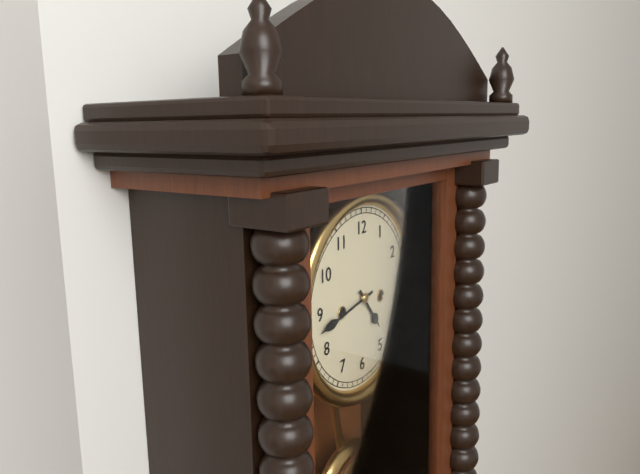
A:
4,43
